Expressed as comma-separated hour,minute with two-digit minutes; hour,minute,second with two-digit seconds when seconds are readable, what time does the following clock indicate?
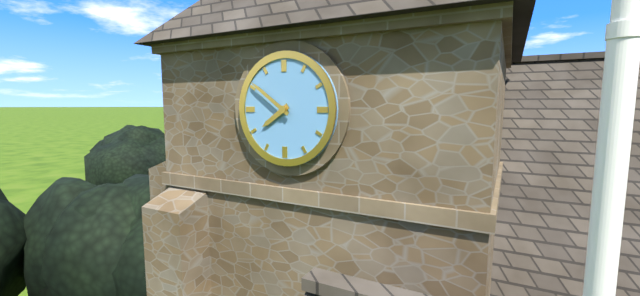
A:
7,51
